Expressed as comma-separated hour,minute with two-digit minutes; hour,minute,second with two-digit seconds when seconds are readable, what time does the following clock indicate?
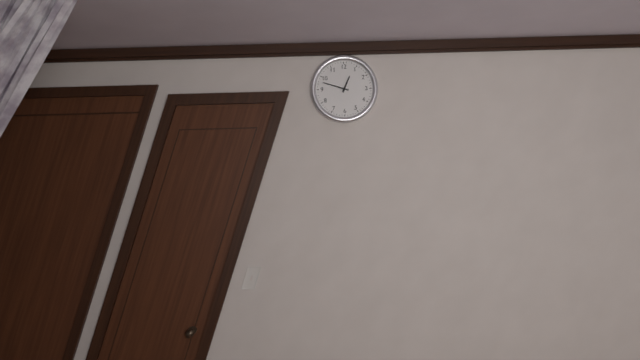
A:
12,48
